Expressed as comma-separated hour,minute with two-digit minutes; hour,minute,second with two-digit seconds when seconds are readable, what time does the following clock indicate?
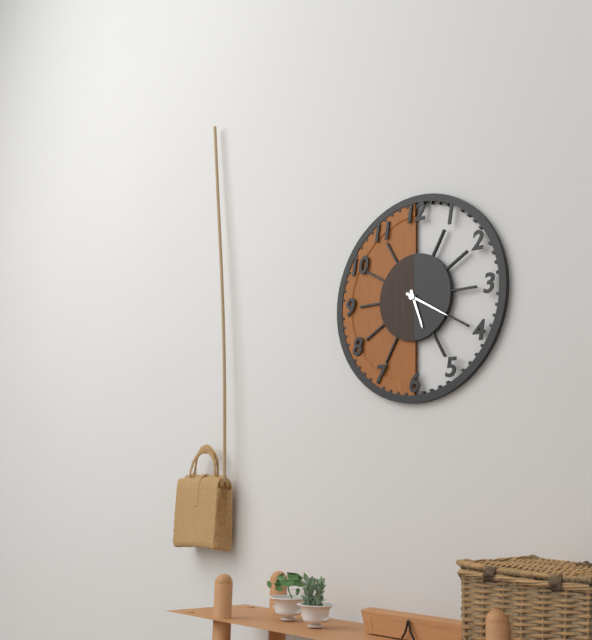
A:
5,20
